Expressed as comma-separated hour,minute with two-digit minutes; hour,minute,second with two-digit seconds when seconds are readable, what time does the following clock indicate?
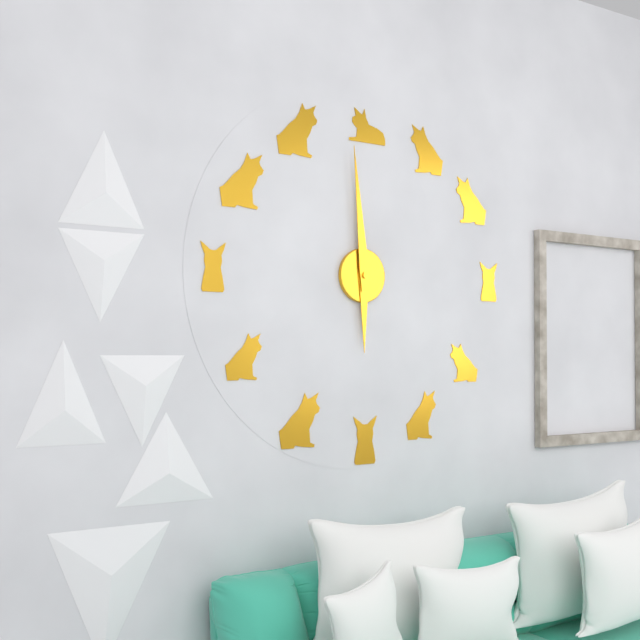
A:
5,59
